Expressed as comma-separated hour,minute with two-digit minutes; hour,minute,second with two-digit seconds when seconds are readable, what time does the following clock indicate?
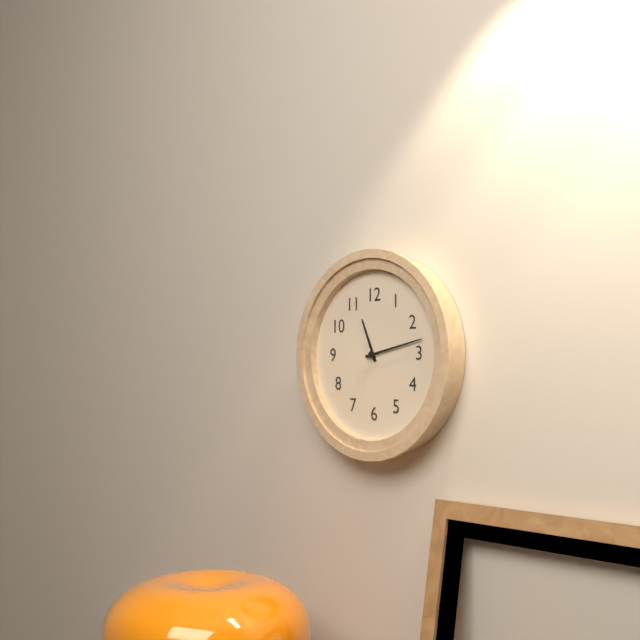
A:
11,13
